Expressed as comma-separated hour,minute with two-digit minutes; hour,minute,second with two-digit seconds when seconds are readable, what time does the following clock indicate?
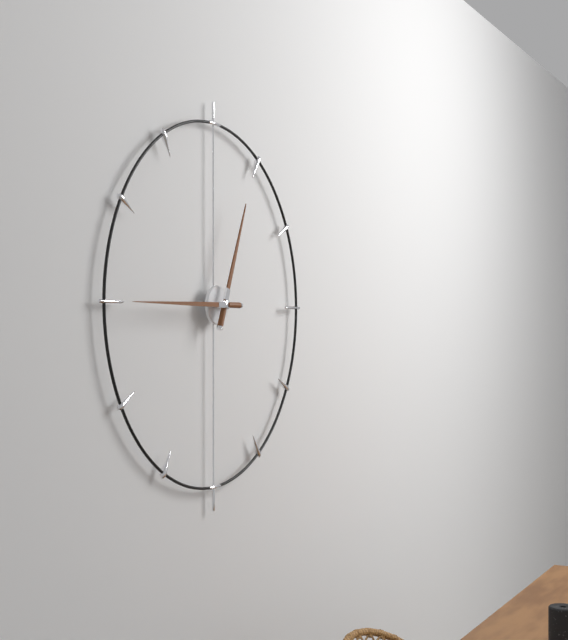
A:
12,45
